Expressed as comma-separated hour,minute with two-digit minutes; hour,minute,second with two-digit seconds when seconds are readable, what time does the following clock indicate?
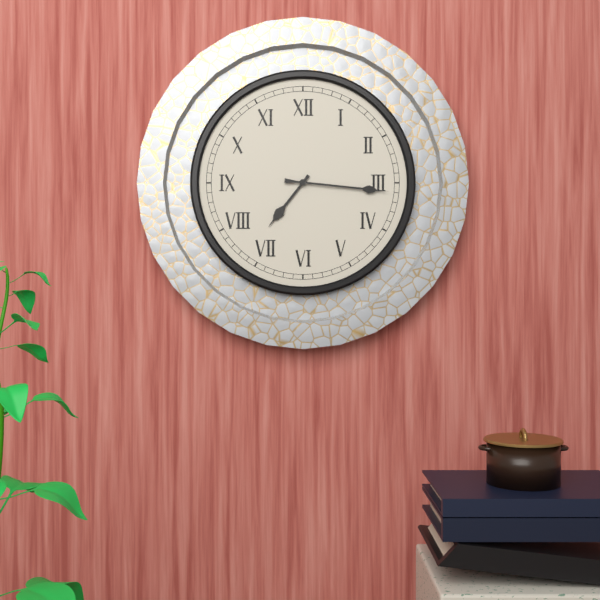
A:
7,16
